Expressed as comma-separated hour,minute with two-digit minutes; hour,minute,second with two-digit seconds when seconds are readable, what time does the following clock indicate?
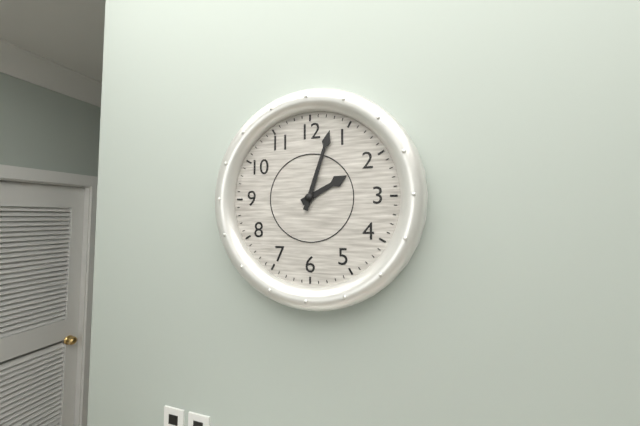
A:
2,03
